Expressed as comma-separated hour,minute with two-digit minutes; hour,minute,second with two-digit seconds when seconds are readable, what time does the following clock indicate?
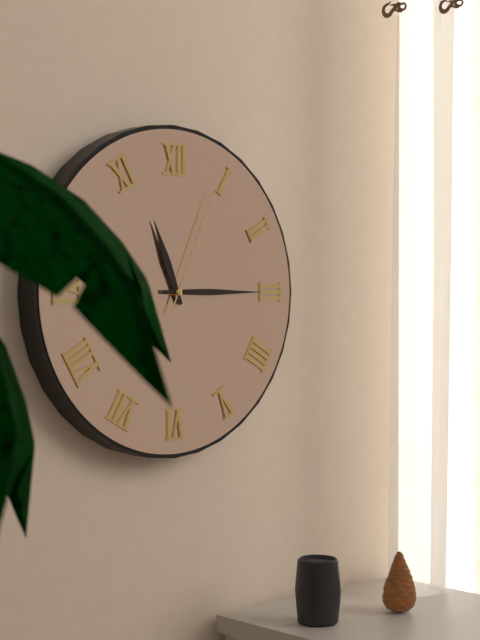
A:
11,15,04
